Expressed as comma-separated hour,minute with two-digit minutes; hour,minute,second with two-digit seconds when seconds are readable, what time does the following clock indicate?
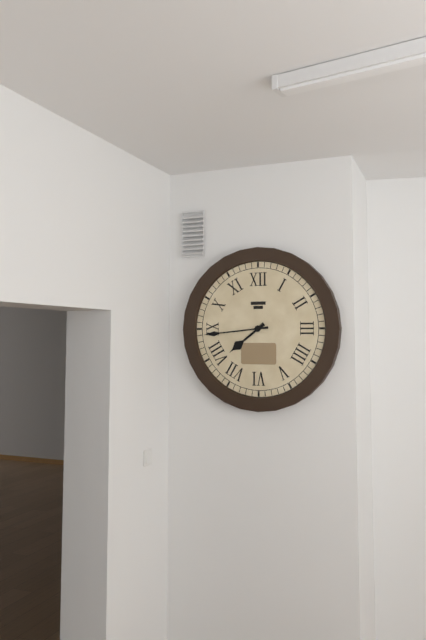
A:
7,44
